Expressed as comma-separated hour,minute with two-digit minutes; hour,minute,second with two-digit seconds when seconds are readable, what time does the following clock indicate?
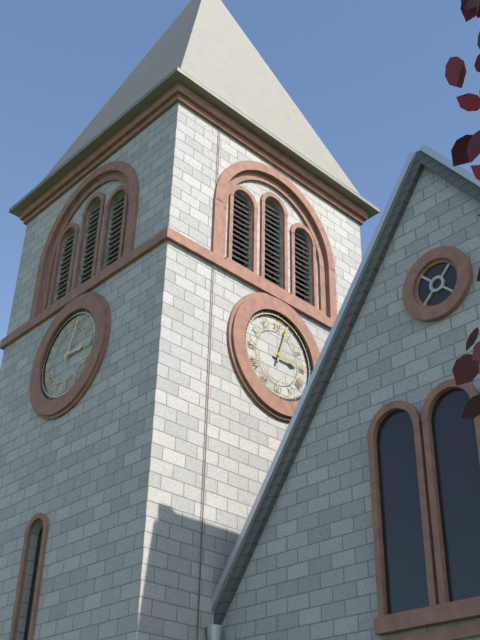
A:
3,03
